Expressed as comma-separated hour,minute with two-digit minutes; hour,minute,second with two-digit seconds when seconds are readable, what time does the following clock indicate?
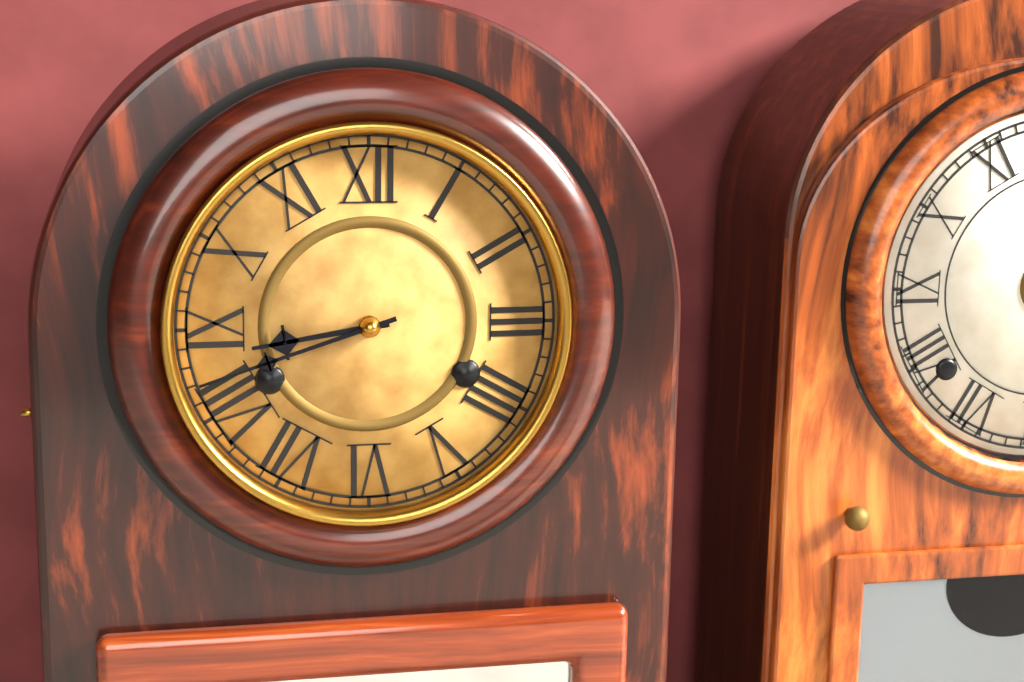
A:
8,42
